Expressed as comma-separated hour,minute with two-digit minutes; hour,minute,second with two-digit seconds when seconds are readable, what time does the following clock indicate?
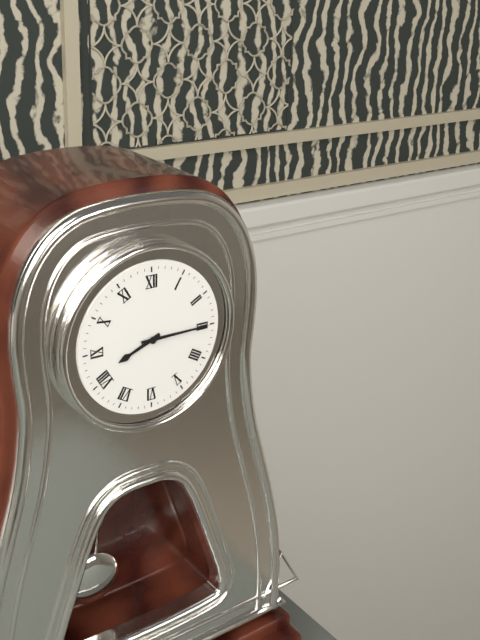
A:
8,15
